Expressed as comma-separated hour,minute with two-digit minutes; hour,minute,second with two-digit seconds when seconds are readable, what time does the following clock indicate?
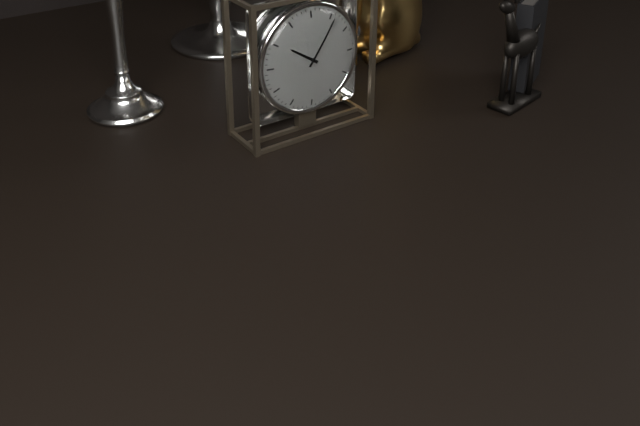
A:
10,06
